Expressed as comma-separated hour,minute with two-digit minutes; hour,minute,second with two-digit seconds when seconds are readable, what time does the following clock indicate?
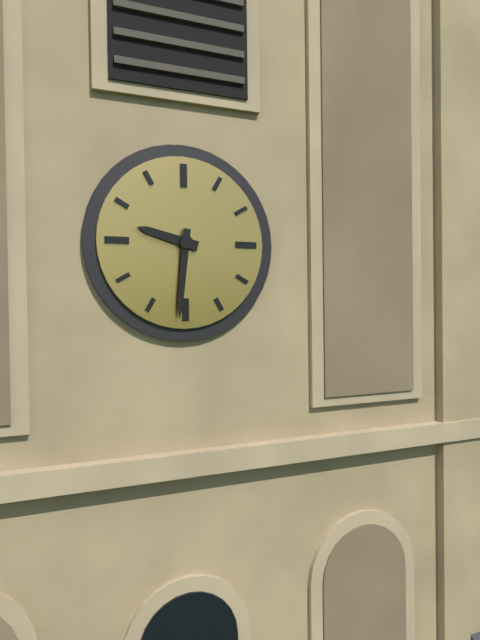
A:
9,31
